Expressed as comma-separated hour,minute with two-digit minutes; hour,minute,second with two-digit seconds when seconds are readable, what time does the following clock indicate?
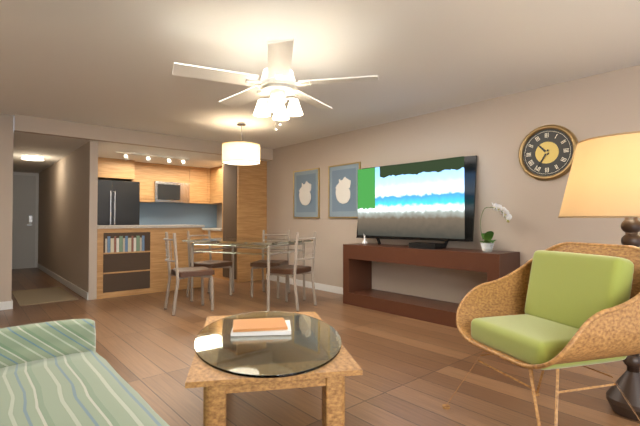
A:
10,35
